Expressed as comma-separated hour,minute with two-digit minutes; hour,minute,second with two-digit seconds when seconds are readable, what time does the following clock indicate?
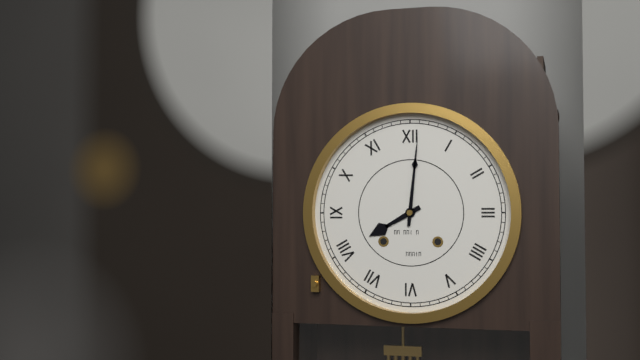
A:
8,01
